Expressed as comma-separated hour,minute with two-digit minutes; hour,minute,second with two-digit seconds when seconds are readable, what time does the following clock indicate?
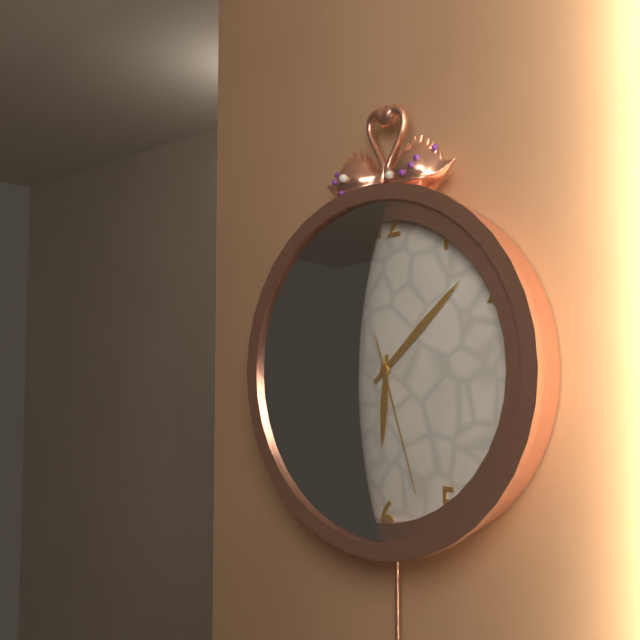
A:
6,08,27
